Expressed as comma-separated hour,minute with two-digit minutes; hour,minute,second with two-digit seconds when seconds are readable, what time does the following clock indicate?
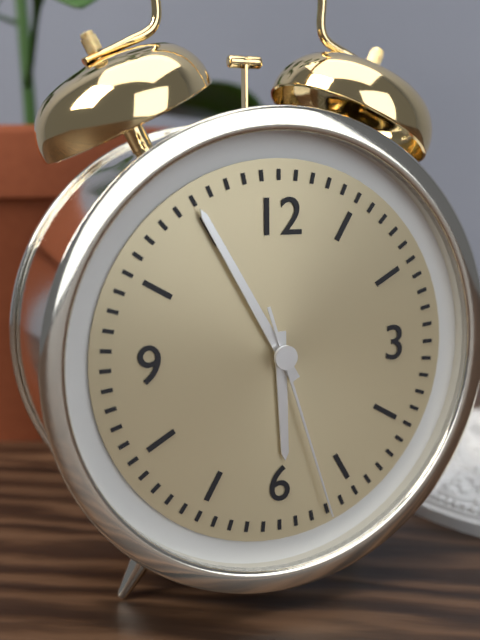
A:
5,55,27
